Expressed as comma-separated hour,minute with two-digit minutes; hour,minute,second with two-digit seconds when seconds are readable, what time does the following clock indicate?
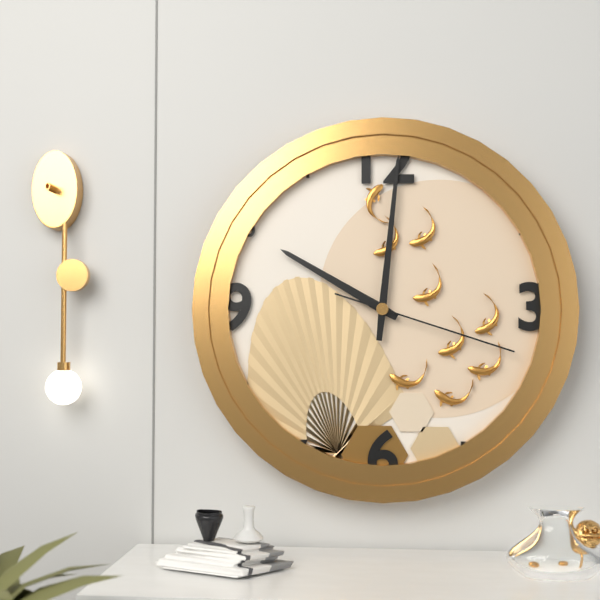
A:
10,01,18
